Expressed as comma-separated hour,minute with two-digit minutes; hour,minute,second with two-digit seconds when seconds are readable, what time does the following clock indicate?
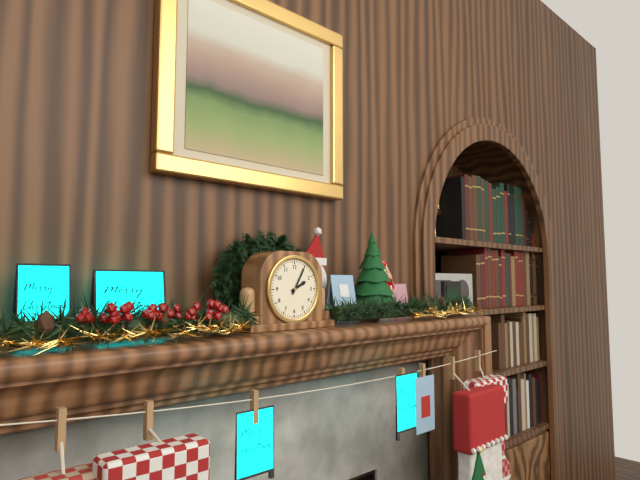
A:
2,05
